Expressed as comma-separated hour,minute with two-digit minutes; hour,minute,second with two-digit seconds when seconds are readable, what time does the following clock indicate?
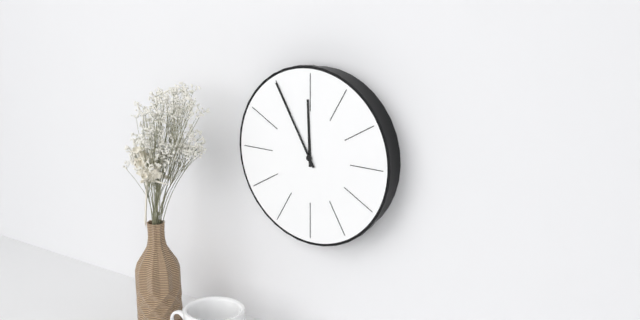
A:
11,55
